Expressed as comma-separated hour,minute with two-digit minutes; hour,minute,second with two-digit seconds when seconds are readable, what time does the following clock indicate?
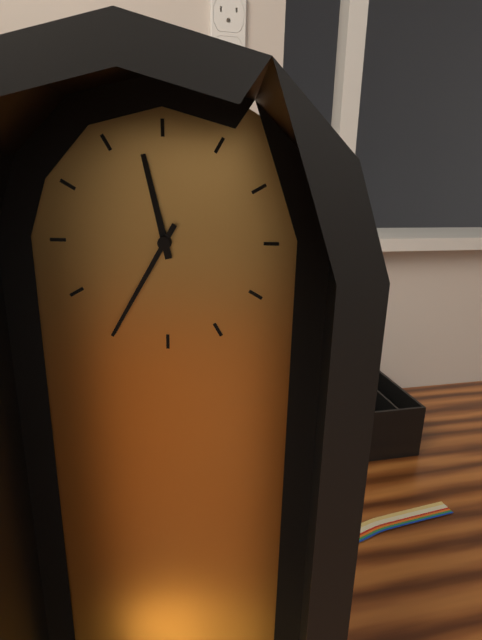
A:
11,35
